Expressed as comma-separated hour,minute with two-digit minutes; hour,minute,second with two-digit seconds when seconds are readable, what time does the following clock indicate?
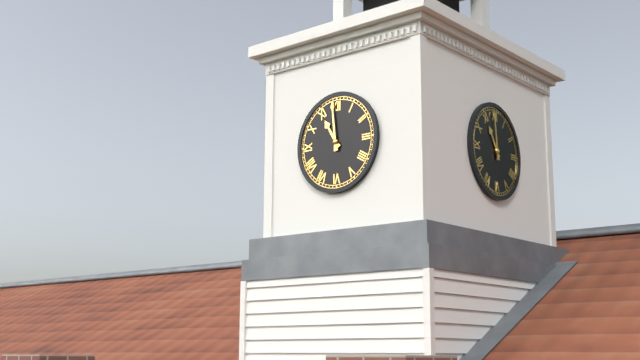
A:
10,59
